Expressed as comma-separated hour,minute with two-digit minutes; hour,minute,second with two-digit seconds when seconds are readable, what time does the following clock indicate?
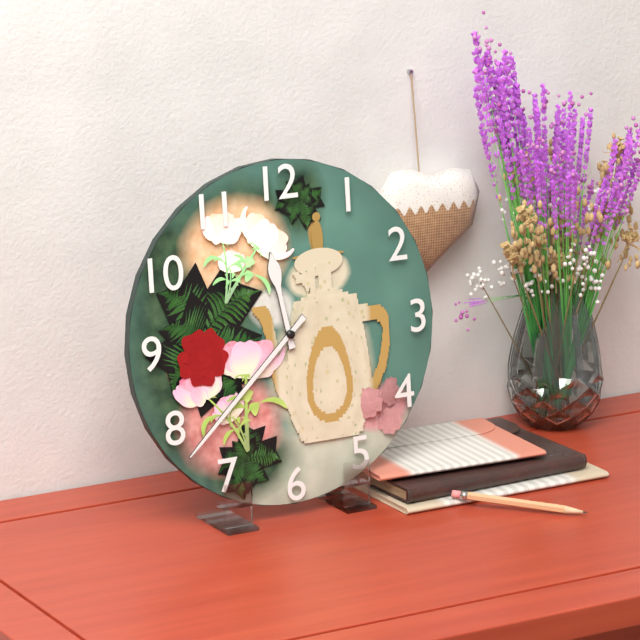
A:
11,38
